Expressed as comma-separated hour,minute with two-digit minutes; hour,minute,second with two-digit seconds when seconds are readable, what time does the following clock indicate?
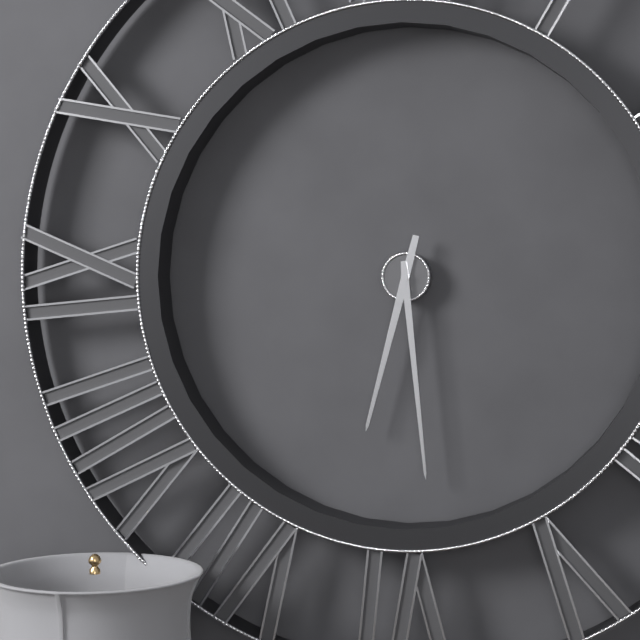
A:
6,29
